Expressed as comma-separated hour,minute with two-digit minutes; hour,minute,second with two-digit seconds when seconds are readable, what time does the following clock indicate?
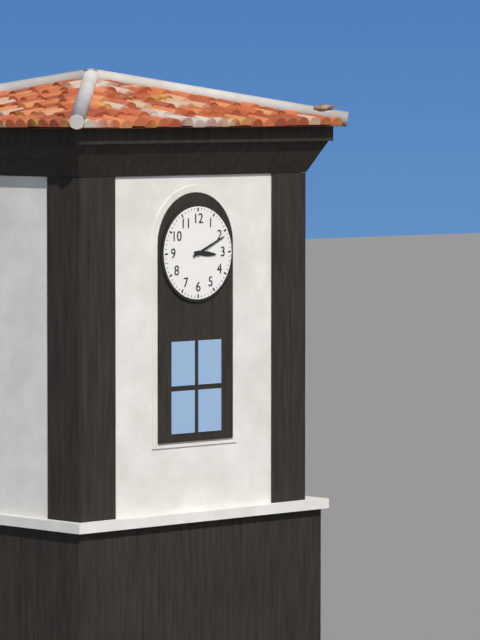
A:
3,11
